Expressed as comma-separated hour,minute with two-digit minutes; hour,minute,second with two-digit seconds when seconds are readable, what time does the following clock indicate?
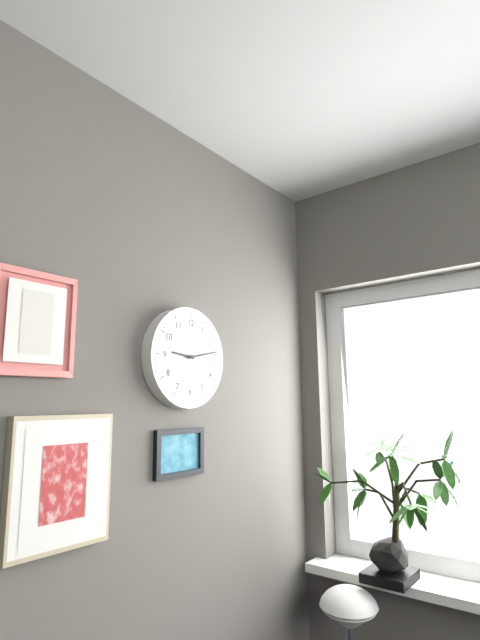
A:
9,13
